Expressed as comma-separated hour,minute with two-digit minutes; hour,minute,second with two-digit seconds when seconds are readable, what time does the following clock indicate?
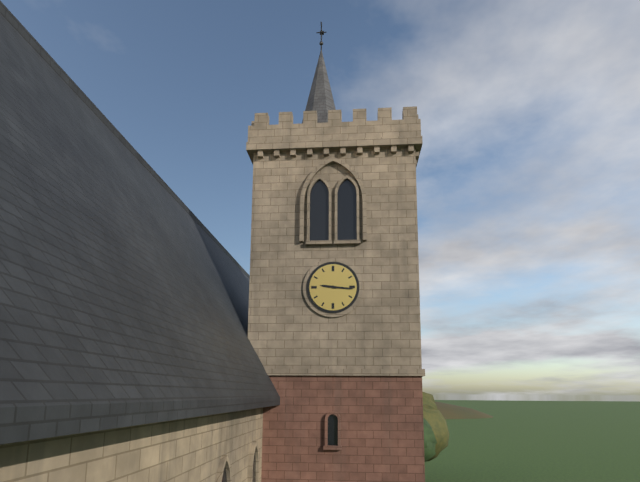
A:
9,16
